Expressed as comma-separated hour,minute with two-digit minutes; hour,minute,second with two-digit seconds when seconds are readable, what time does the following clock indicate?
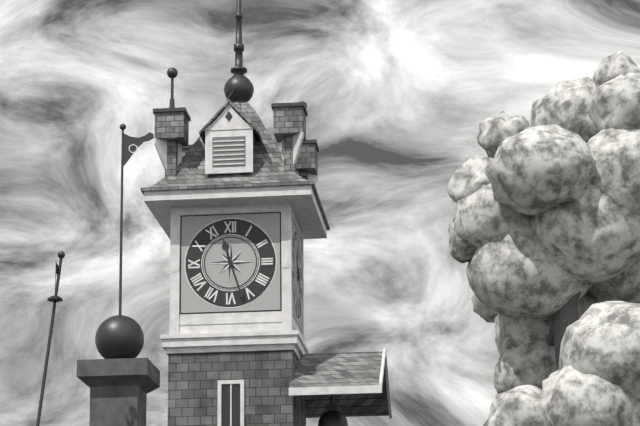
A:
11,27
